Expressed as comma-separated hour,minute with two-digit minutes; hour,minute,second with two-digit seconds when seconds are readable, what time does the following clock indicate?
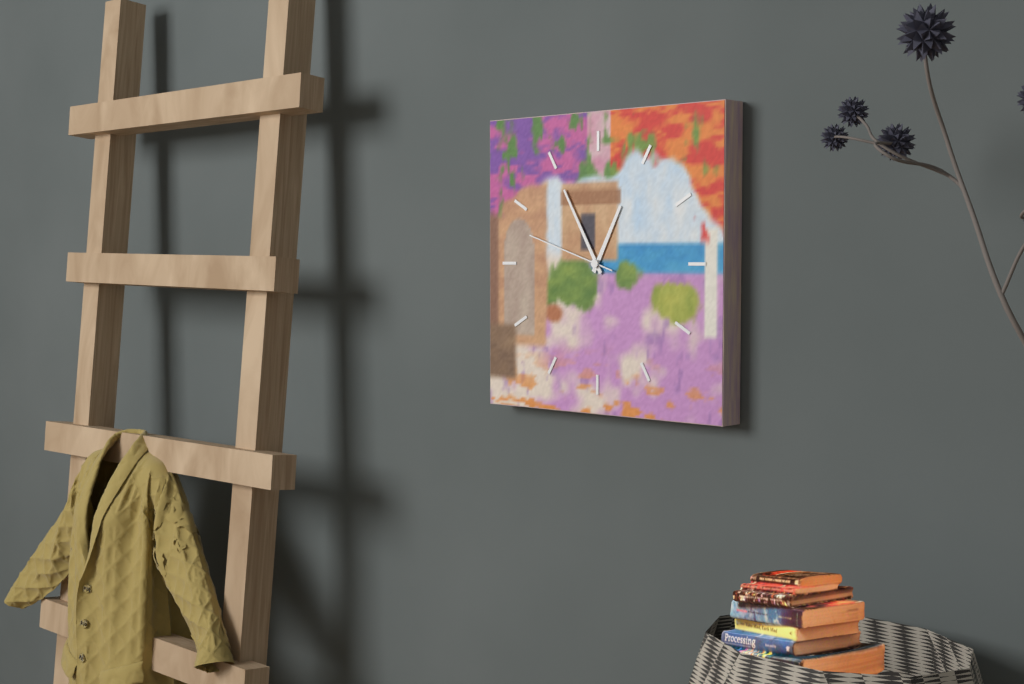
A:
12,55,48
